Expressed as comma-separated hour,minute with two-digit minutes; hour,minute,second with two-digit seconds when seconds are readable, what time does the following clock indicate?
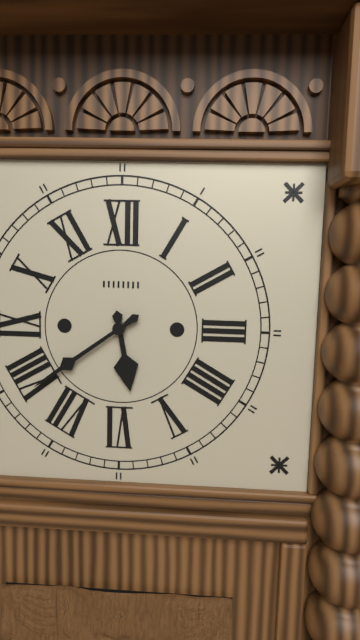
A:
5,39
